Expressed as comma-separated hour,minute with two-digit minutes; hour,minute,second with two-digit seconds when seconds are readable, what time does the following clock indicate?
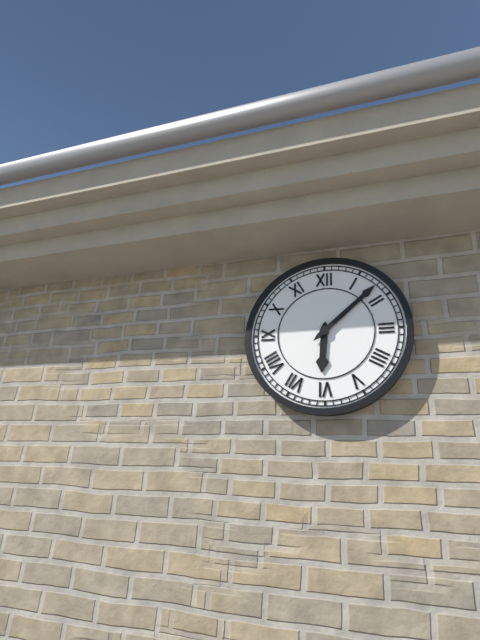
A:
6,08
